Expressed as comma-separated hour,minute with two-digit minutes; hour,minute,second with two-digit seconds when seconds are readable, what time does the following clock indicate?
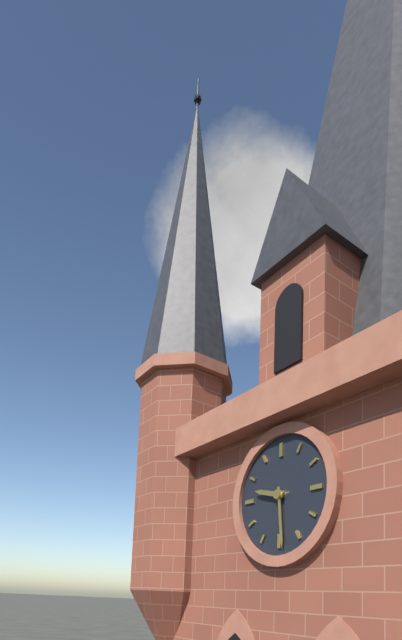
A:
9,29
